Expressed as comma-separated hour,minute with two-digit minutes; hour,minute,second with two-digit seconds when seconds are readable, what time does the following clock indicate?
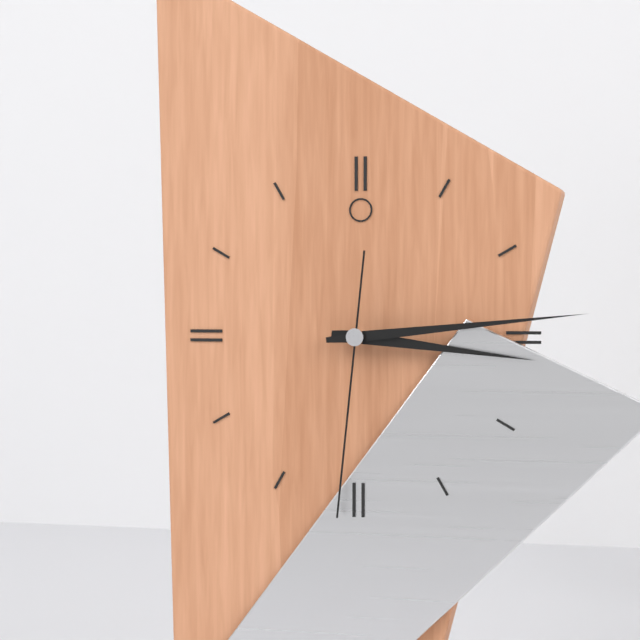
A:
3,14,31
